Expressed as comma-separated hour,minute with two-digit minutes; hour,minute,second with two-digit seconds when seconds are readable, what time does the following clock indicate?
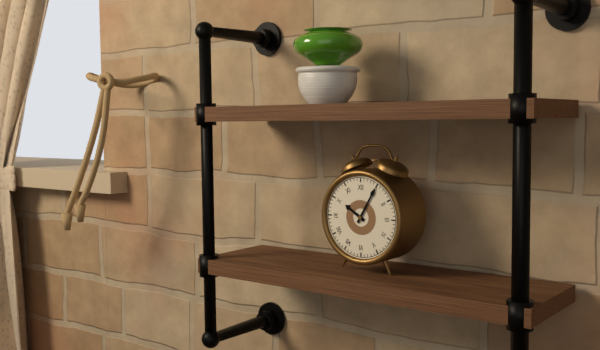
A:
10,05
